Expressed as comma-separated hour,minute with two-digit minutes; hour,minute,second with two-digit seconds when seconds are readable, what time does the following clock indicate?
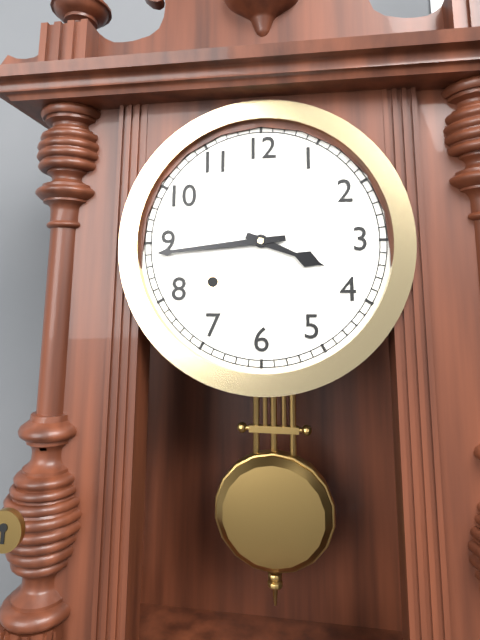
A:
3,44
